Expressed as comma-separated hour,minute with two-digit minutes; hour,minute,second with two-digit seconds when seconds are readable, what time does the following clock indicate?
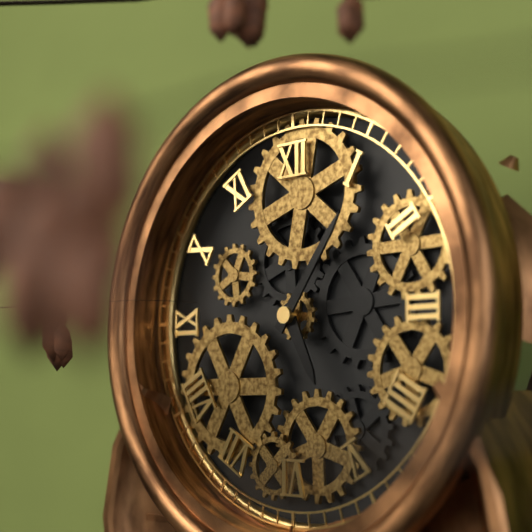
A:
5,06
